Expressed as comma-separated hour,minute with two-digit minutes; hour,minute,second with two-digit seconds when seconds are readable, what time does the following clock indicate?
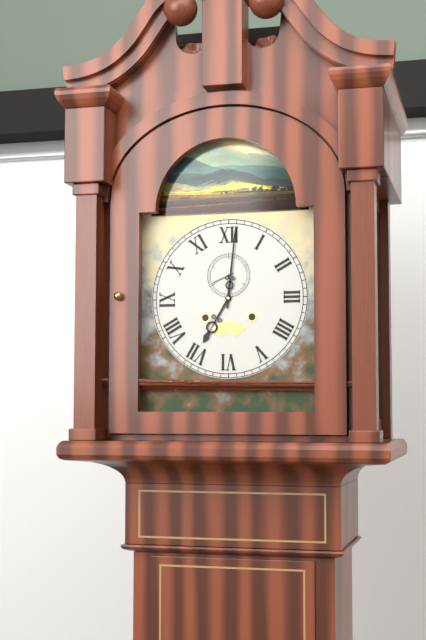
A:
7,01
